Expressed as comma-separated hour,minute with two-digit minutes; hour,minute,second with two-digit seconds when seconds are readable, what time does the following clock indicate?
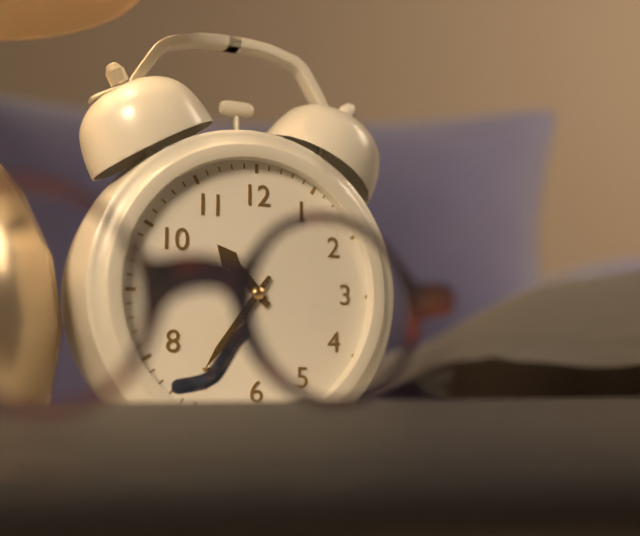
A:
10,36
